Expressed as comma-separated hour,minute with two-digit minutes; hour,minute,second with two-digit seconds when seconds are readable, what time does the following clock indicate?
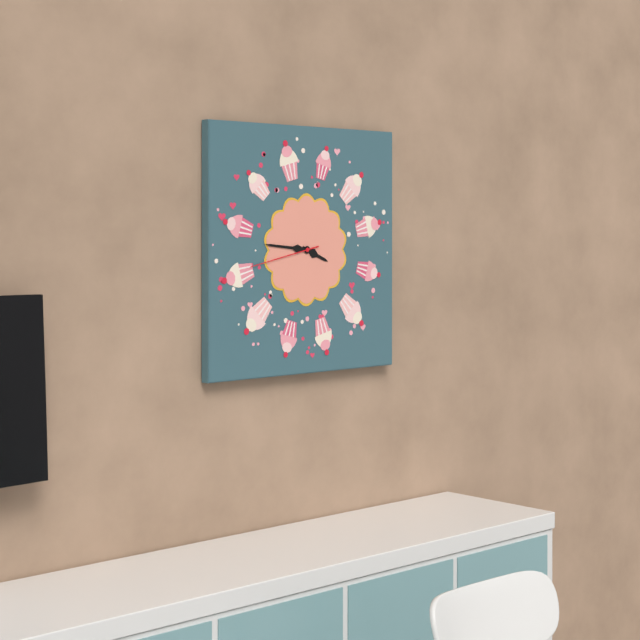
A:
3,46,43
